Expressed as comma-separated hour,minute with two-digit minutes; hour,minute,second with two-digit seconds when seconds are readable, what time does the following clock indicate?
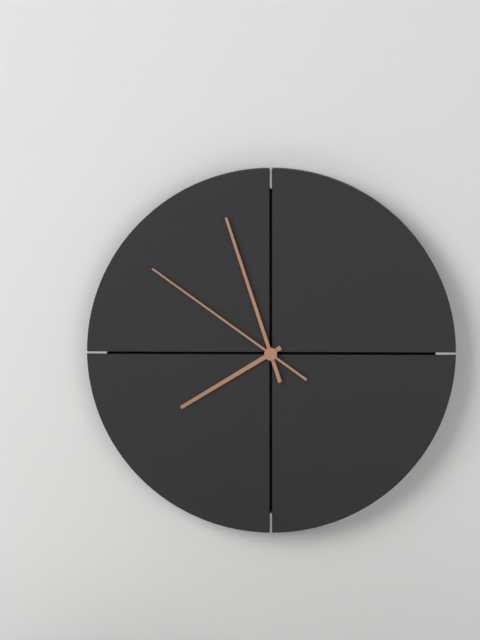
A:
7,57,51
